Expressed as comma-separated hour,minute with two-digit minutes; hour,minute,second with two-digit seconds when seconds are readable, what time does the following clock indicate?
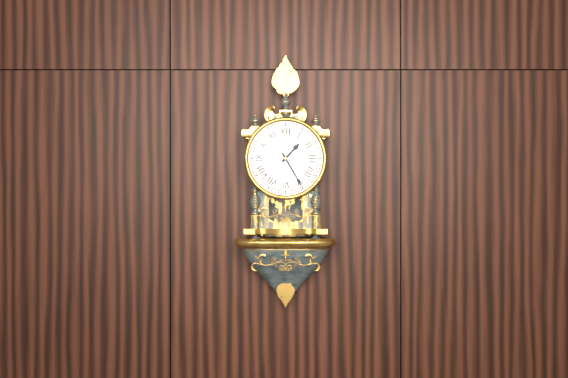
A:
1,25
